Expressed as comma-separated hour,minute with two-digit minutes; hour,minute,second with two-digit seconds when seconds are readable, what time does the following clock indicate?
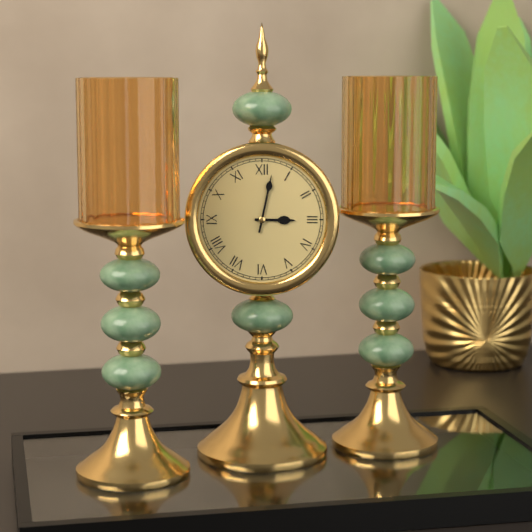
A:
3,02
